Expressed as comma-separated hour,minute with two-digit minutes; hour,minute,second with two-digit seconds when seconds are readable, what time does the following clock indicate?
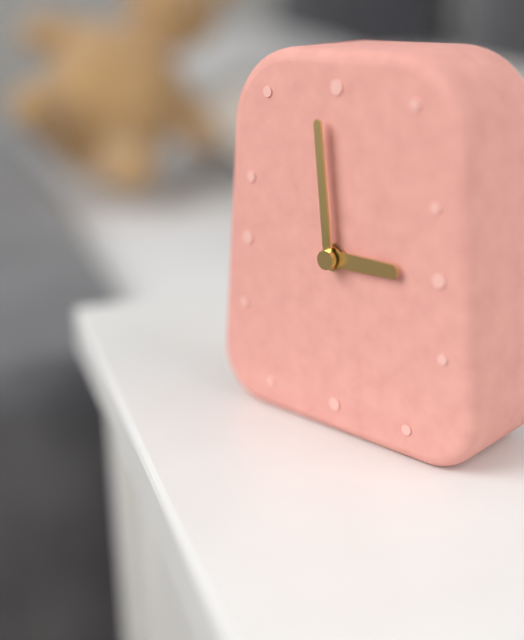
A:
2,59
